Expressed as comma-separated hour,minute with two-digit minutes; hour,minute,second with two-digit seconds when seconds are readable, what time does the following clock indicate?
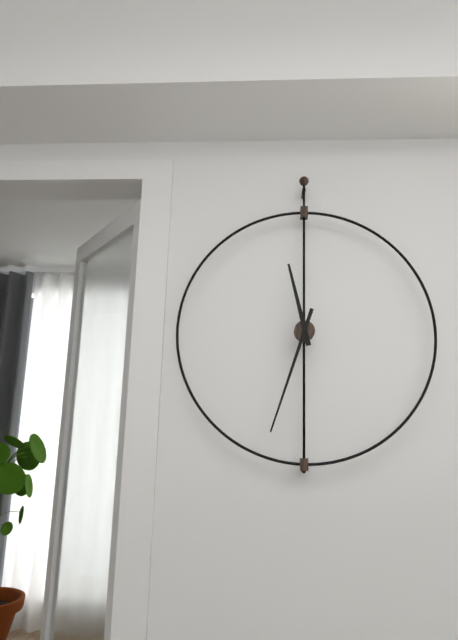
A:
11,33
